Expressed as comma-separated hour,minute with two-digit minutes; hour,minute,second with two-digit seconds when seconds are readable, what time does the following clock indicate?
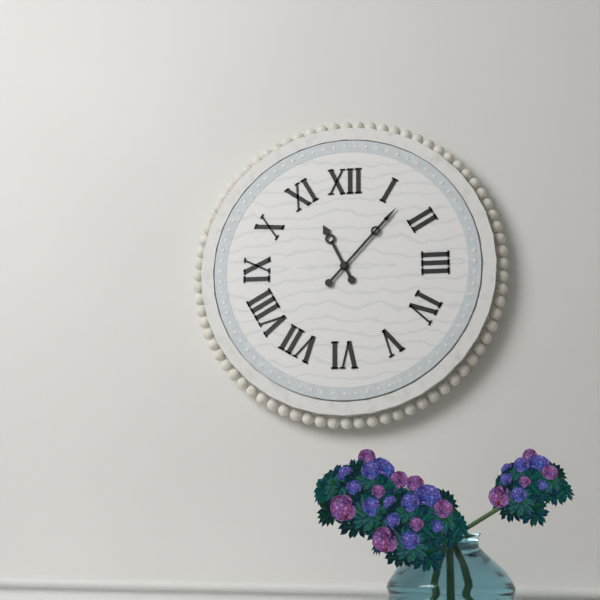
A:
11,07
